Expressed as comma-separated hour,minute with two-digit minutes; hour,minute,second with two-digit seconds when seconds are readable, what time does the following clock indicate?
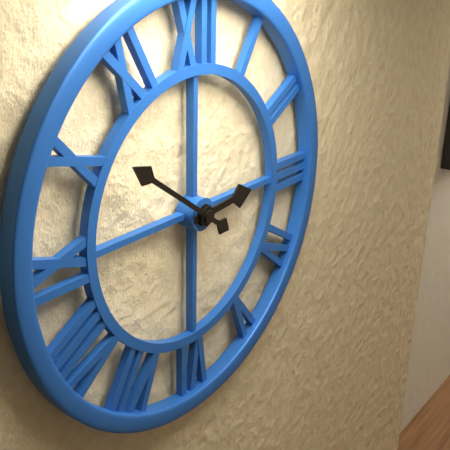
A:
2,51
